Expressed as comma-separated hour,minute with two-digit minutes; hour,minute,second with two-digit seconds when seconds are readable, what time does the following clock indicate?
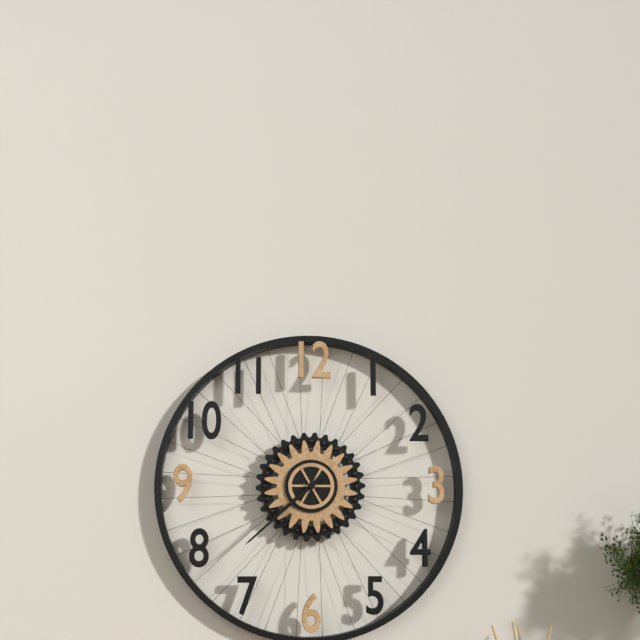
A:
7,38
